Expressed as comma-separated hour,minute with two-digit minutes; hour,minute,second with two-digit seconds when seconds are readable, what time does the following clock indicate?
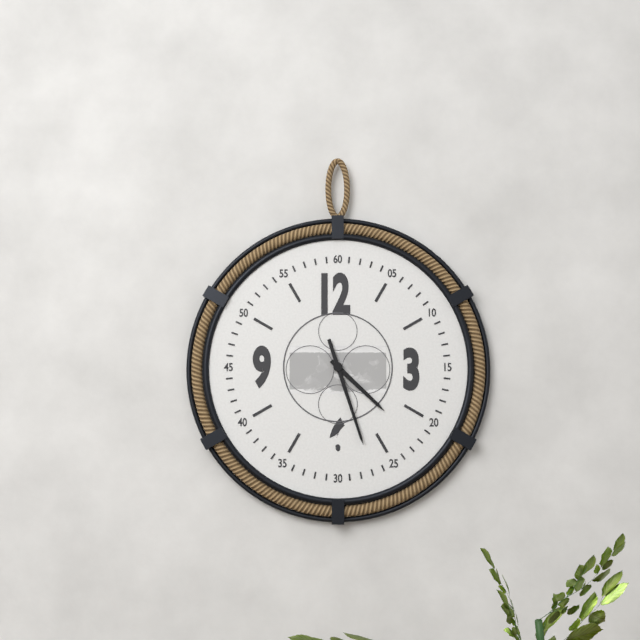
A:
4,27
